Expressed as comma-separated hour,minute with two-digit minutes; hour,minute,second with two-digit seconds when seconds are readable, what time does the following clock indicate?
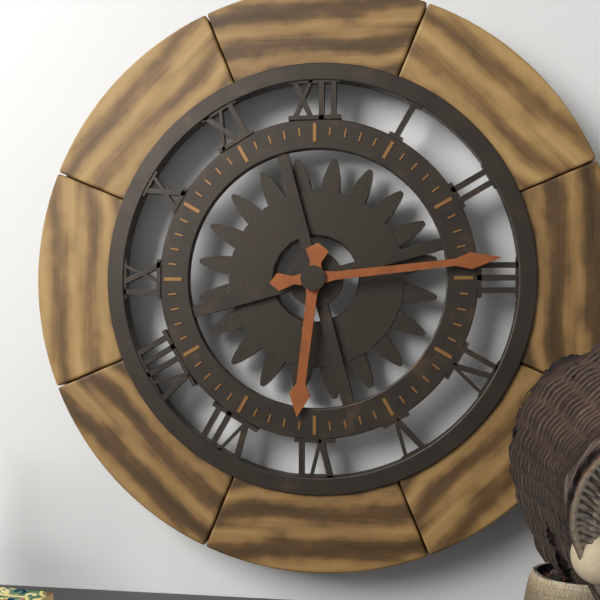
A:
6,14
